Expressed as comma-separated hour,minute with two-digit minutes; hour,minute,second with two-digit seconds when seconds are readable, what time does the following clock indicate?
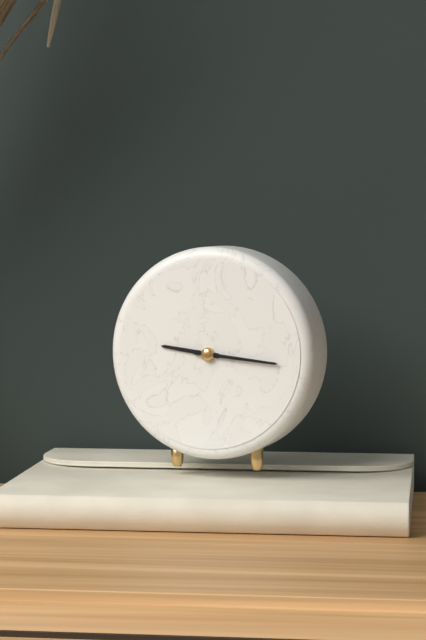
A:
9,16
